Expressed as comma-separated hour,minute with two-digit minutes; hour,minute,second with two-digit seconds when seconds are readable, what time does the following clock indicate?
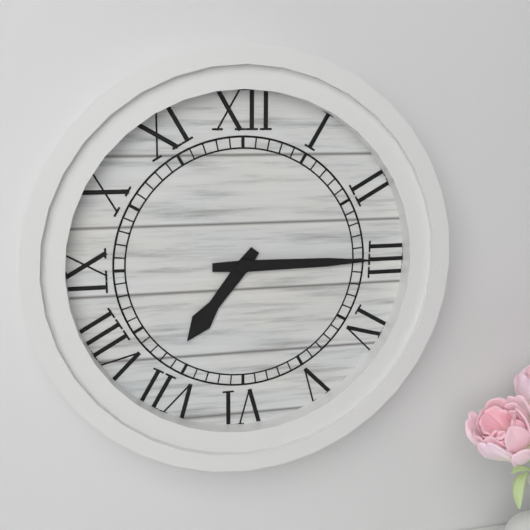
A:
7,15
